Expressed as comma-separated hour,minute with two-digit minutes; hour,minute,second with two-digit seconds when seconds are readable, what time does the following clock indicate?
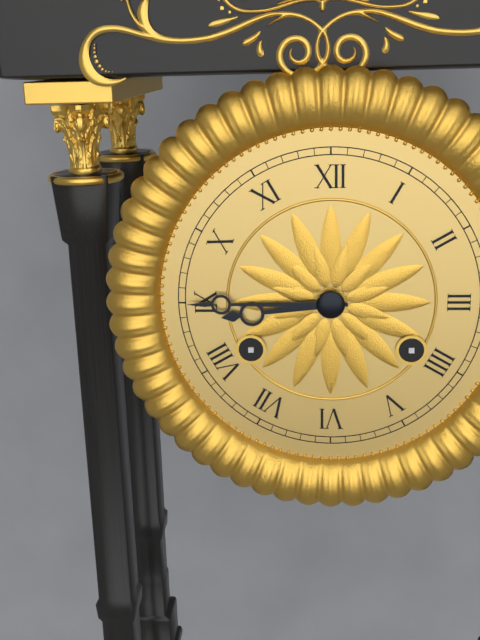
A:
8,45
